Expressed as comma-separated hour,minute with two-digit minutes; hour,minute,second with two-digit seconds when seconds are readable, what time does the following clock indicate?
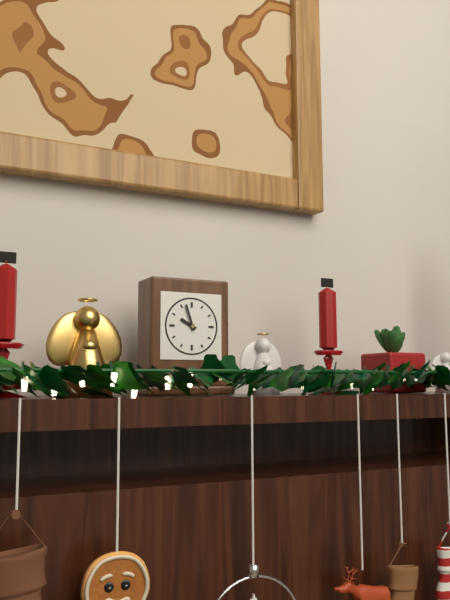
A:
9,57
